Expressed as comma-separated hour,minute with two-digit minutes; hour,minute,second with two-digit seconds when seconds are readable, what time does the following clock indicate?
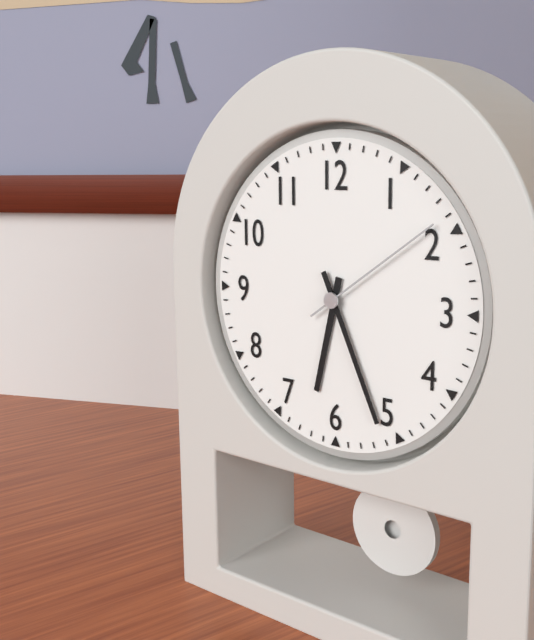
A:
6,26,09
